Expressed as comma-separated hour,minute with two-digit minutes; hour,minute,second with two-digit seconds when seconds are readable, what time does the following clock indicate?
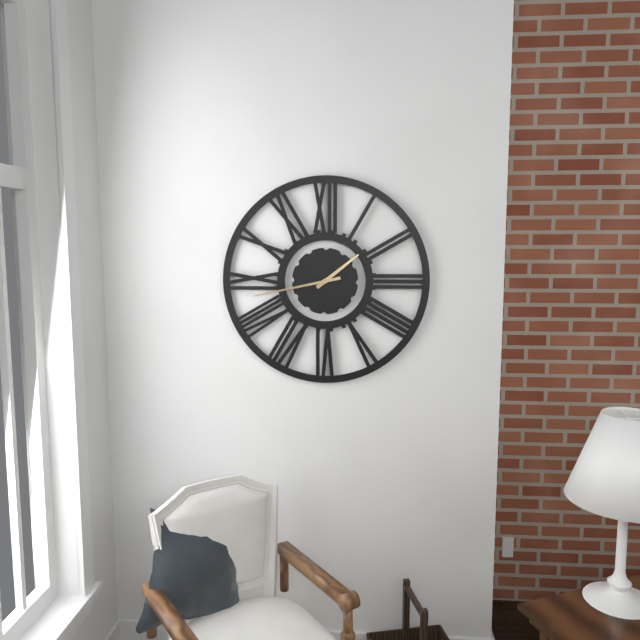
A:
1,43
